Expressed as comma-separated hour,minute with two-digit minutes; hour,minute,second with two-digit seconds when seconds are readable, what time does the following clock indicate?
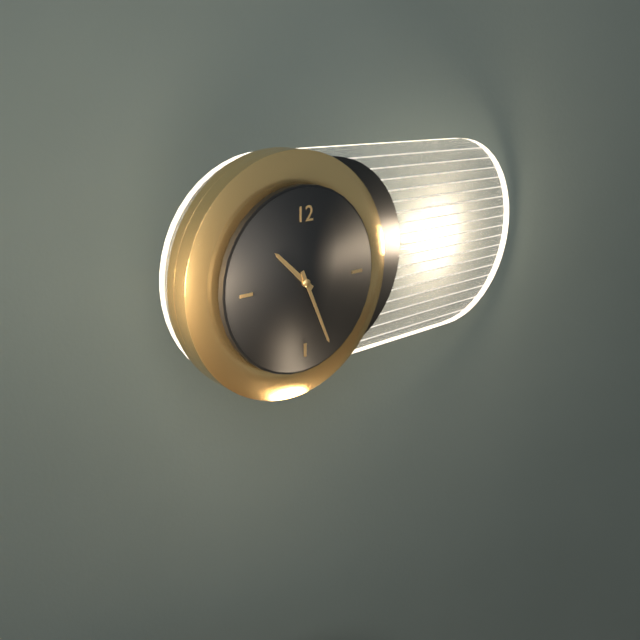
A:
10,26
